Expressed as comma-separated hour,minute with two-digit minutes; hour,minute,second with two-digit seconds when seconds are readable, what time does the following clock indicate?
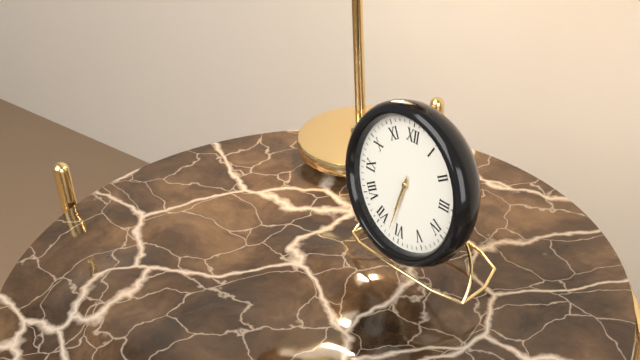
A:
6,32
